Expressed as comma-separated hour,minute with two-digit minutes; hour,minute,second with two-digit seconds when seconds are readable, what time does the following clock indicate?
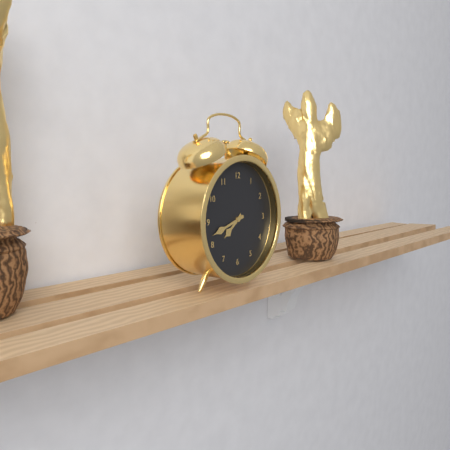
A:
7,42
